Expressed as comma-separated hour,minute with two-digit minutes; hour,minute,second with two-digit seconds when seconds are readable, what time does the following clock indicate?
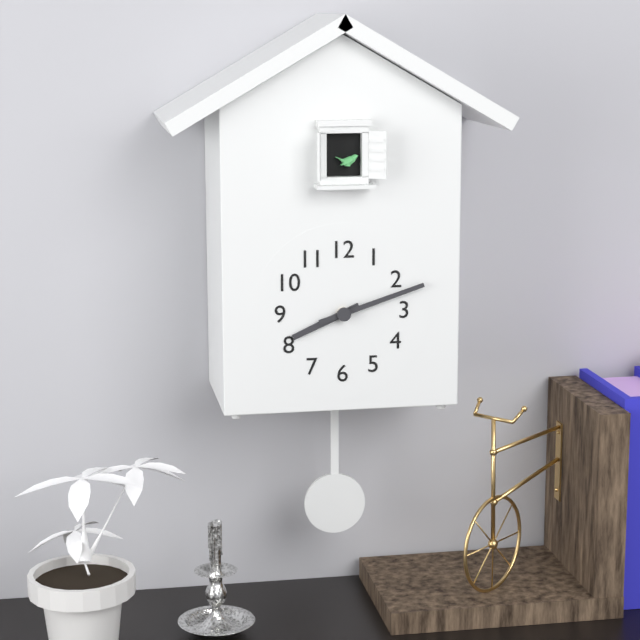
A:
8,12
